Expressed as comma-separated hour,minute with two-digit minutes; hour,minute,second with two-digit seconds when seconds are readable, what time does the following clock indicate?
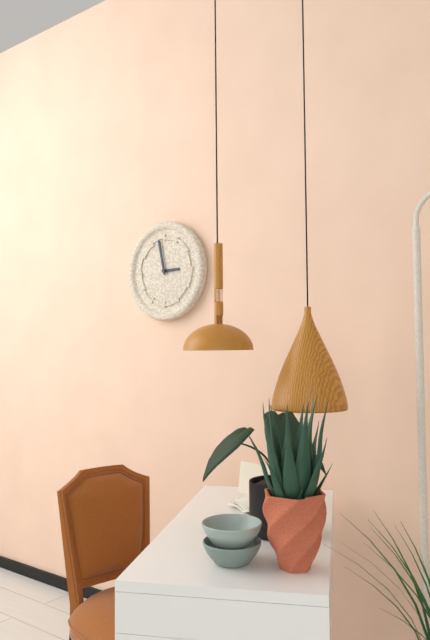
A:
2,58
